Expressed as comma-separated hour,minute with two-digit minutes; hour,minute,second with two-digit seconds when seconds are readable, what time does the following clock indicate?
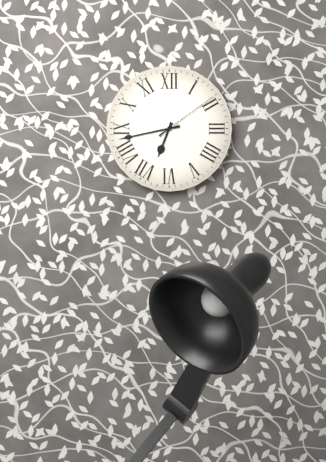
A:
6,43,09
